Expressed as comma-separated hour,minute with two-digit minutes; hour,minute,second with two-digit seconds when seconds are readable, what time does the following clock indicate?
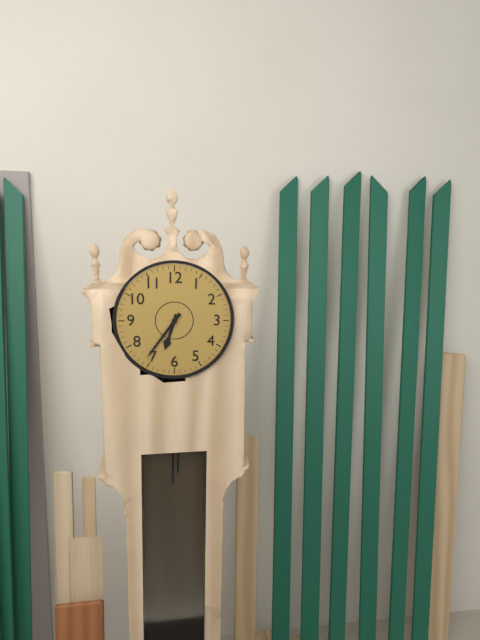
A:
6,36
